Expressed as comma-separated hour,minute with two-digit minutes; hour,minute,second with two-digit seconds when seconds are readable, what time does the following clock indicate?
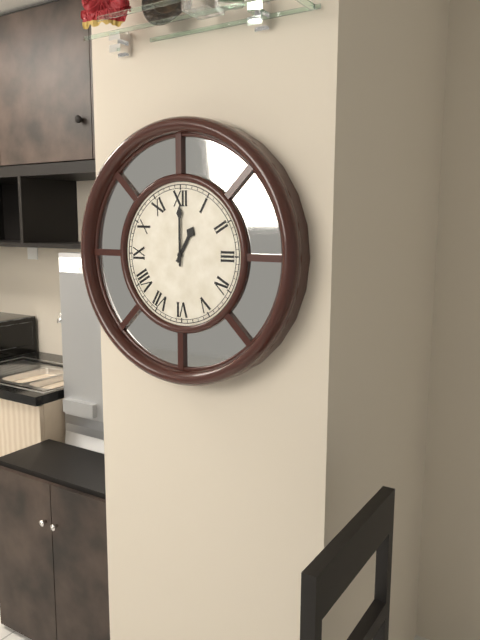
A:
1,00
